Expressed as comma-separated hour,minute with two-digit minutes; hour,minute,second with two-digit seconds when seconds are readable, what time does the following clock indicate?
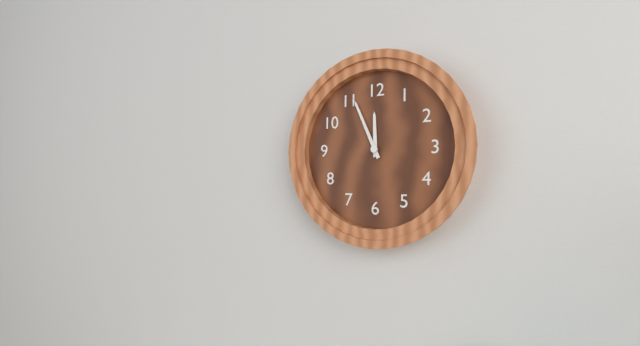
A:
11,56
